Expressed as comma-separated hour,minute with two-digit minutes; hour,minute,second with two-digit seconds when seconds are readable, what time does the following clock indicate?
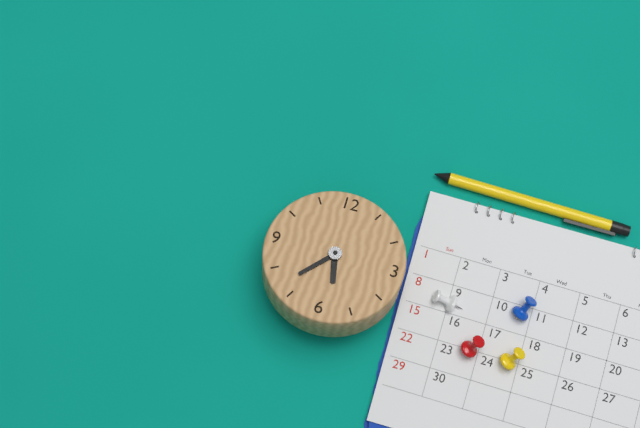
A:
5,37
